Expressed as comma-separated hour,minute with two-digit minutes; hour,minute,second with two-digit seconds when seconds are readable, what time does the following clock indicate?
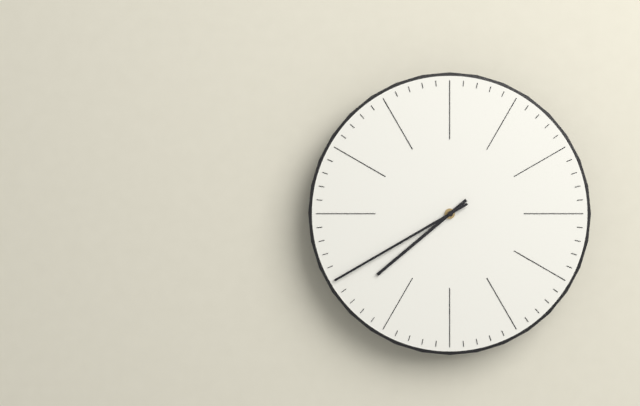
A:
7,40
